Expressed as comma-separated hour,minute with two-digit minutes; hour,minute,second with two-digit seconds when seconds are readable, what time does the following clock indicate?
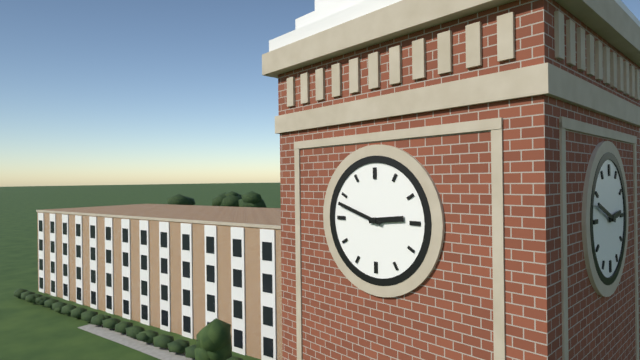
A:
2,48
